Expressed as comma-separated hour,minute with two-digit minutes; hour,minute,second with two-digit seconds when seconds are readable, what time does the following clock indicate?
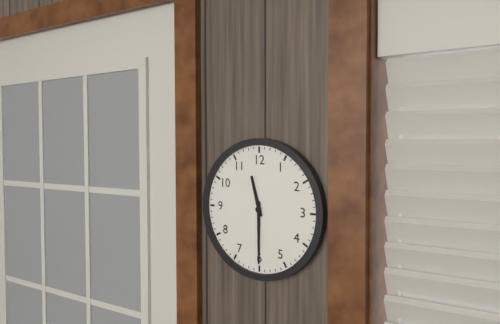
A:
11,30
